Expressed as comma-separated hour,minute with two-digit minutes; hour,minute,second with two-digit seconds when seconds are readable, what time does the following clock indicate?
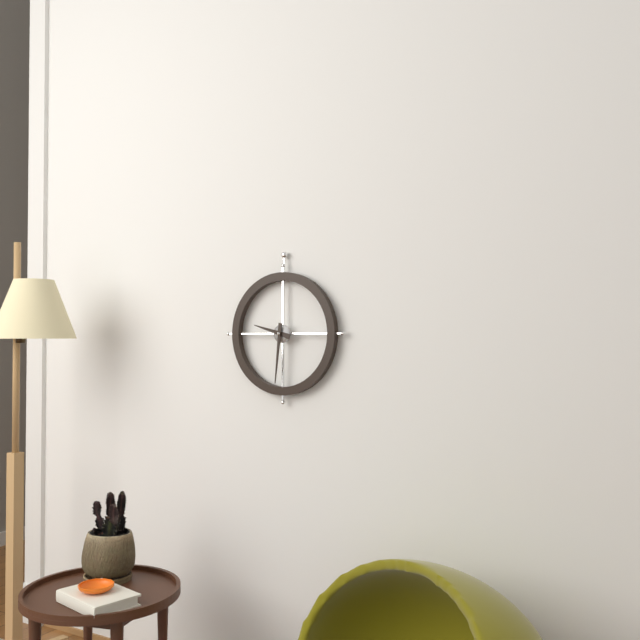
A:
9,31
